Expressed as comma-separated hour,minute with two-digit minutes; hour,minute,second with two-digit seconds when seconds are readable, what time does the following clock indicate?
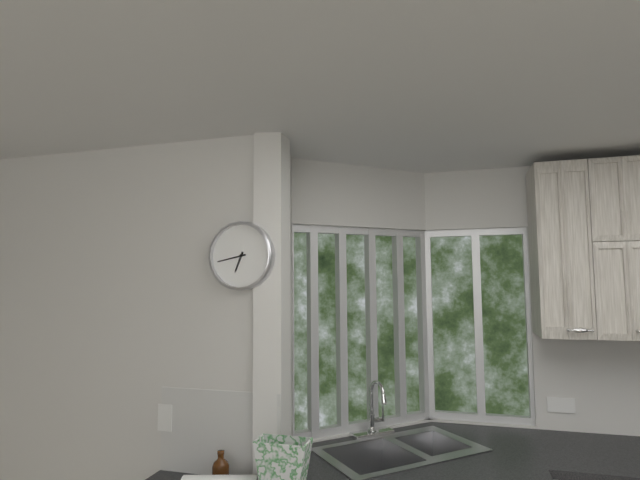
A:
6,43
